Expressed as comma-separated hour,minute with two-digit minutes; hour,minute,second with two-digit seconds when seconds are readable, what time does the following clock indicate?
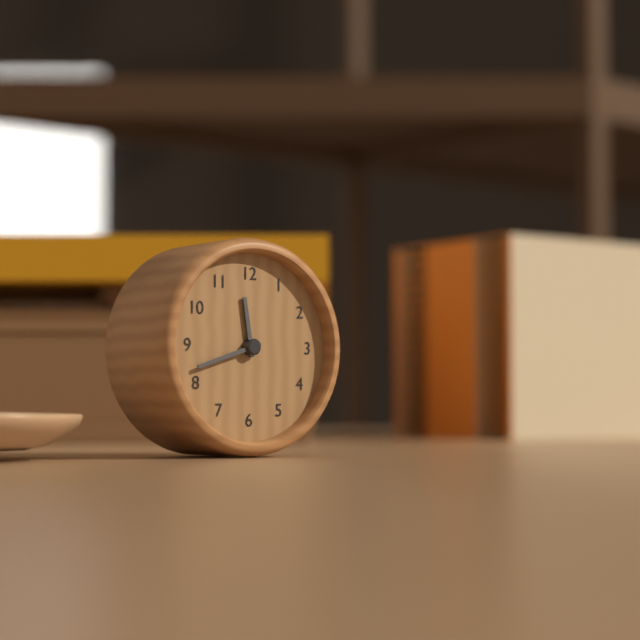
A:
11,42
